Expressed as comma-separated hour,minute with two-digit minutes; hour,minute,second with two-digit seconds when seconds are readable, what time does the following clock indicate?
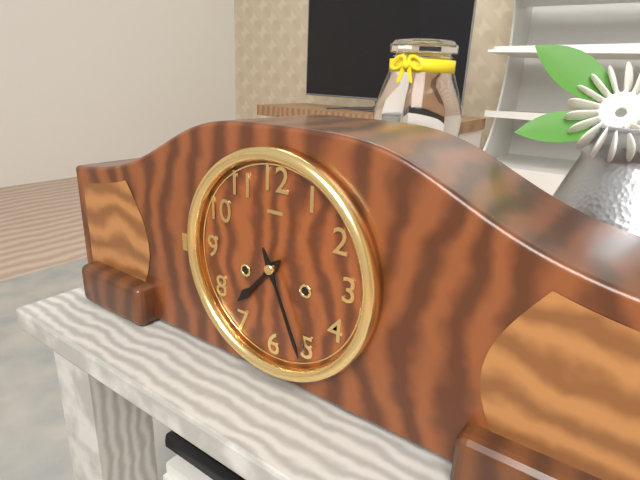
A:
7,26
